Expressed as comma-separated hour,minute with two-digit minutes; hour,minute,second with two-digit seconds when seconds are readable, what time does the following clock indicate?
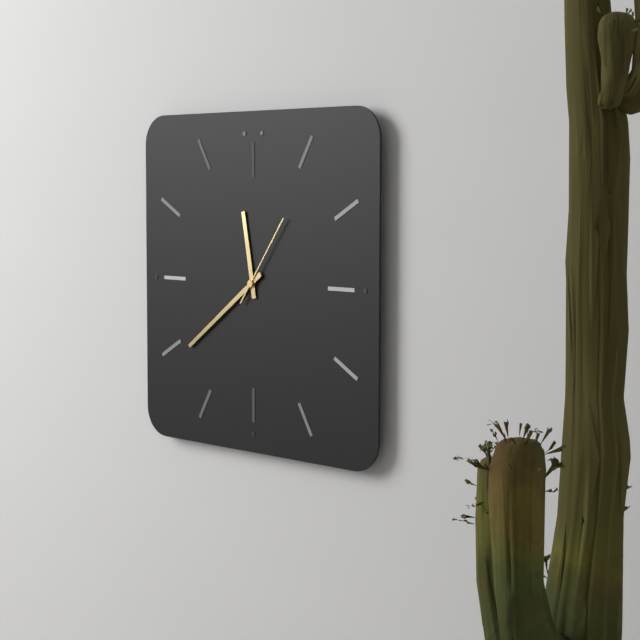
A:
11,39,06
